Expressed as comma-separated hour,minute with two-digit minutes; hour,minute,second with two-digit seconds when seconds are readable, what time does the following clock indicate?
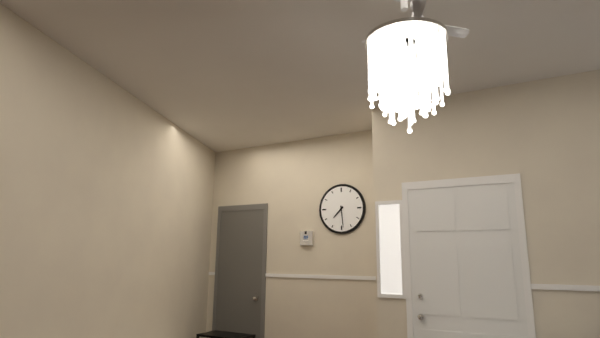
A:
7,29
